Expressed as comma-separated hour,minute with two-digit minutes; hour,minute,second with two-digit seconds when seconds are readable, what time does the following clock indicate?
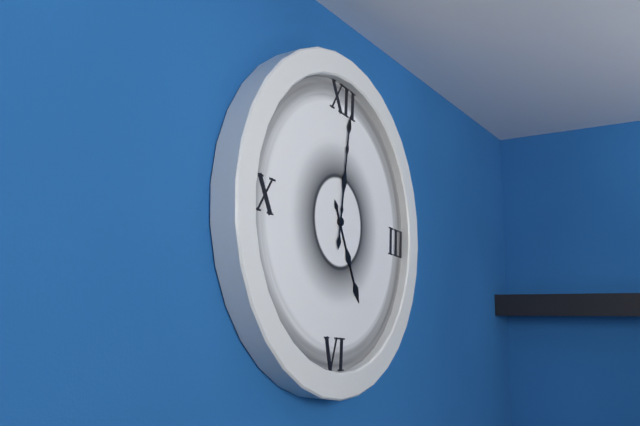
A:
5,01
